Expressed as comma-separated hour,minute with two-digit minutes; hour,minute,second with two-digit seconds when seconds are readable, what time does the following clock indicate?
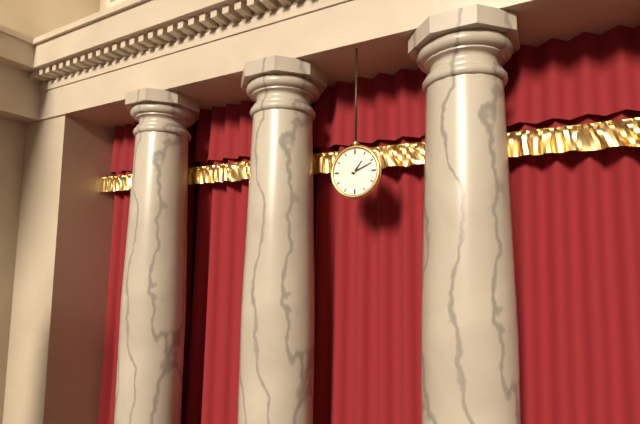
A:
1,11
